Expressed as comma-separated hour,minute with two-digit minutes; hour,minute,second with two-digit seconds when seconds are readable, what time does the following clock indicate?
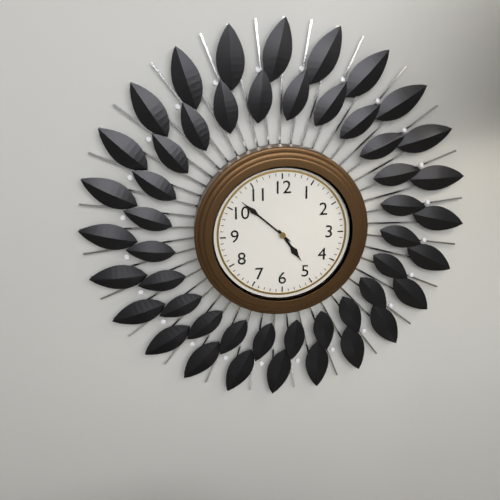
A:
4,52
